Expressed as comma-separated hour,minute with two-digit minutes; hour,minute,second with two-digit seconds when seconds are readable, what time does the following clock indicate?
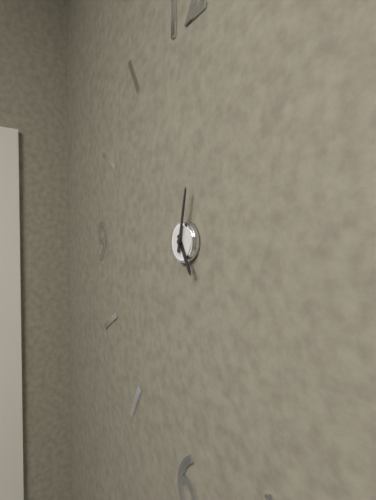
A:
5,02
